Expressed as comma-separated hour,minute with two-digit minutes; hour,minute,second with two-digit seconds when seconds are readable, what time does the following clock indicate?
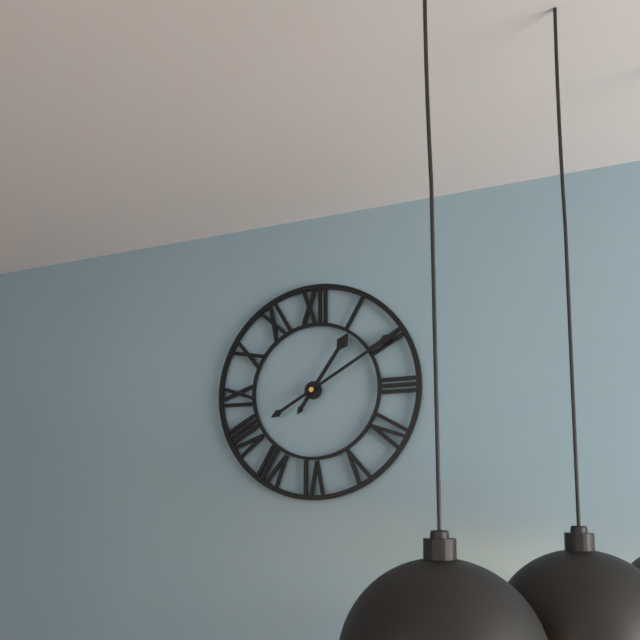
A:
1,10
